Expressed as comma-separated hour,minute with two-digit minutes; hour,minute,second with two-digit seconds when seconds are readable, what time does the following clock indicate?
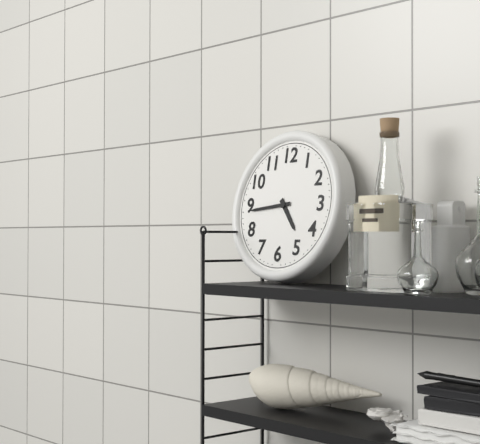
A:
4,44
